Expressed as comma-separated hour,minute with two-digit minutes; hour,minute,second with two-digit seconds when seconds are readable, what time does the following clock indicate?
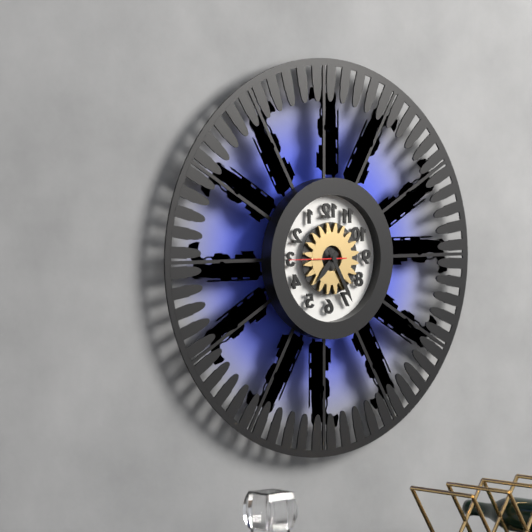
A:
7,25,45
